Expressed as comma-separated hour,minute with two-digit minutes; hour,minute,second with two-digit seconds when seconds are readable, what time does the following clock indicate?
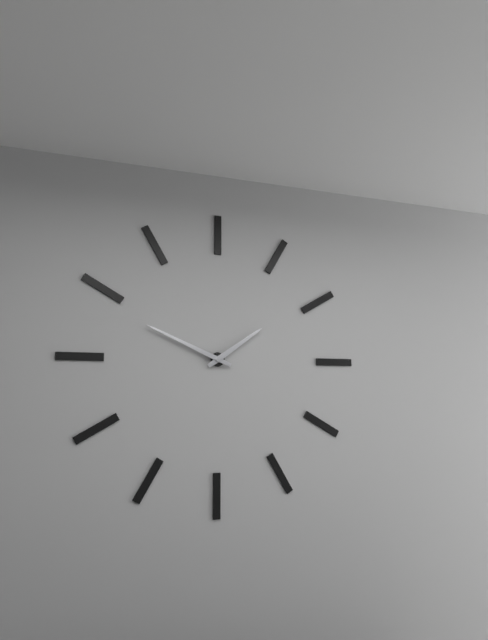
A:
1,49
